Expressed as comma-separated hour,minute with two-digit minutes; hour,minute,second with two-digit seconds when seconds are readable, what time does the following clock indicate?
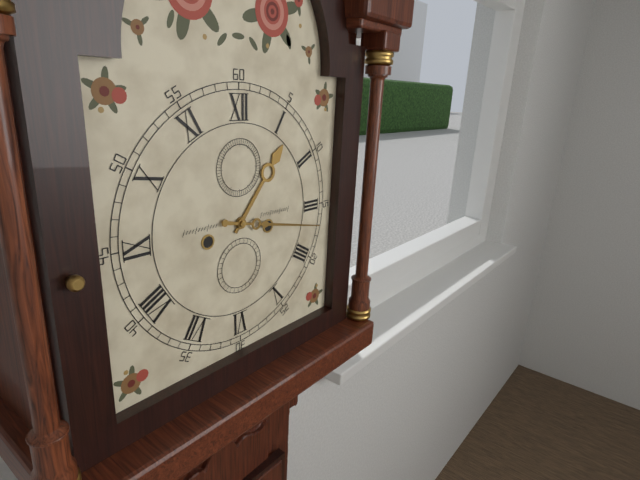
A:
1,17
